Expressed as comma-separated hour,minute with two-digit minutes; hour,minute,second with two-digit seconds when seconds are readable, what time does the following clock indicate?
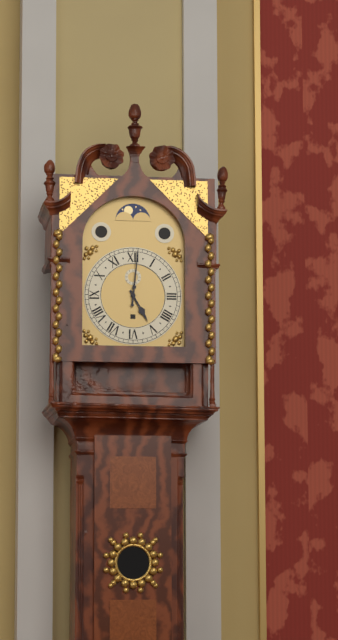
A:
5,01
